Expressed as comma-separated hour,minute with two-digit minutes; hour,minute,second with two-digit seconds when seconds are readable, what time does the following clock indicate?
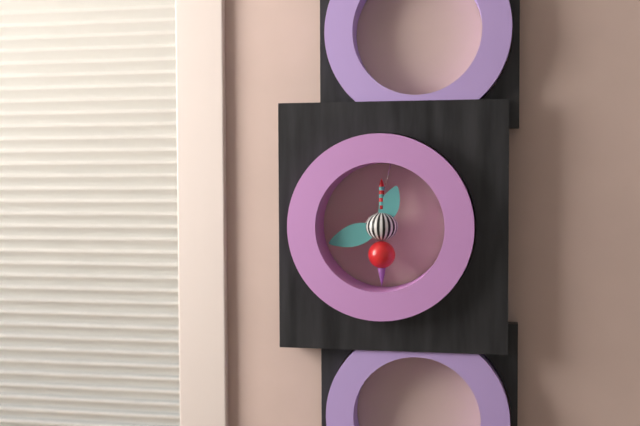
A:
12,42
